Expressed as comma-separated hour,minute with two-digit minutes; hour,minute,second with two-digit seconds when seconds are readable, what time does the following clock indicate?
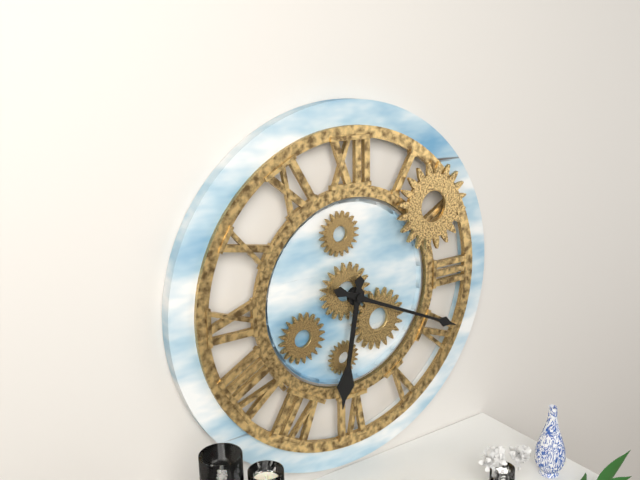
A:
6,19
